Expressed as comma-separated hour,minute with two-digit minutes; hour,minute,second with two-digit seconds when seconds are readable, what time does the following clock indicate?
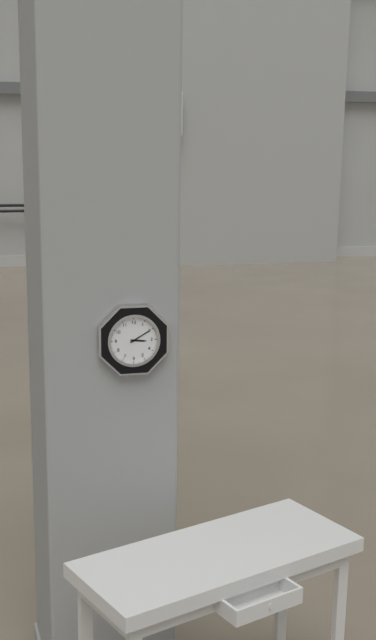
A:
3,10
